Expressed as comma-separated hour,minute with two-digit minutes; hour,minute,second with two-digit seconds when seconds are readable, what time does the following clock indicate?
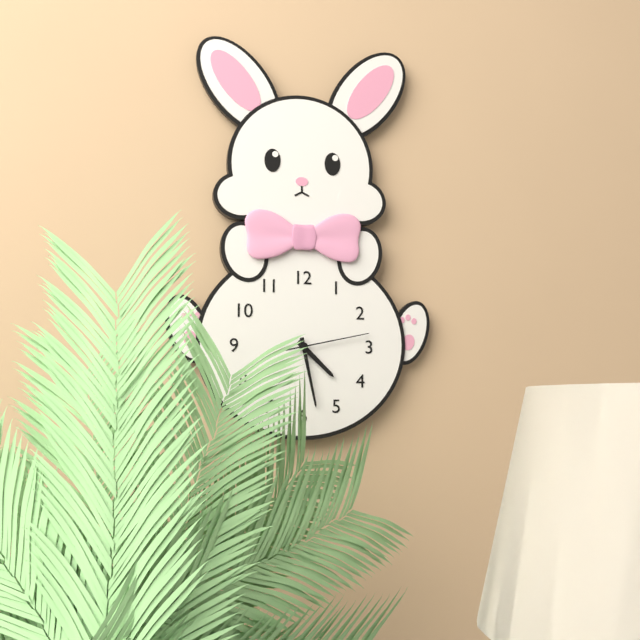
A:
4,28,13
